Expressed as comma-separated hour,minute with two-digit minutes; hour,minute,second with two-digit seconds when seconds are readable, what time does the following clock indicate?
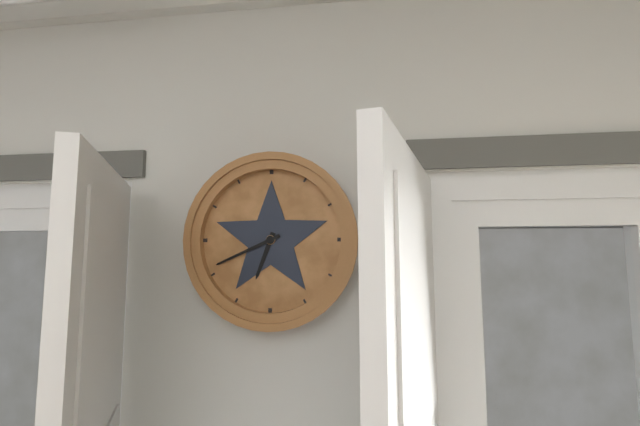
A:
6,41
